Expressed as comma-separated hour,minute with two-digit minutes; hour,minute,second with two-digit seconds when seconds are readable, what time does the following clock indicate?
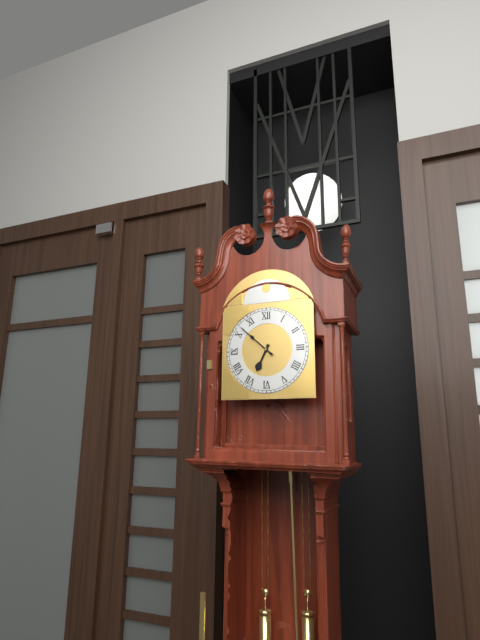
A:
6,52
